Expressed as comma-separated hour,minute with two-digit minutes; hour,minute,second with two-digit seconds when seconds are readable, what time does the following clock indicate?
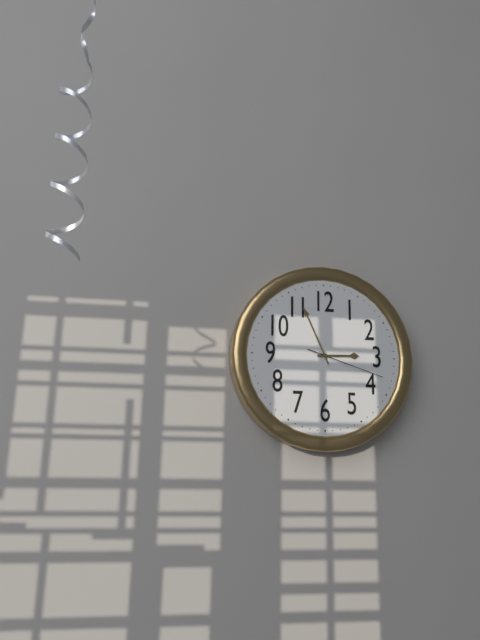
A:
2,56,18
